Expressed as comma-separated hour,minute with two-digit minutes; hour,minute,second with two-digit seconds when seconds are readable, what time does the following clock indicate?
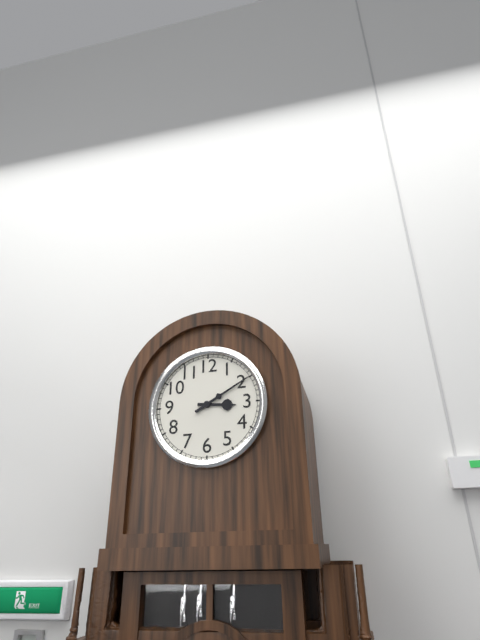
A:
3,10
